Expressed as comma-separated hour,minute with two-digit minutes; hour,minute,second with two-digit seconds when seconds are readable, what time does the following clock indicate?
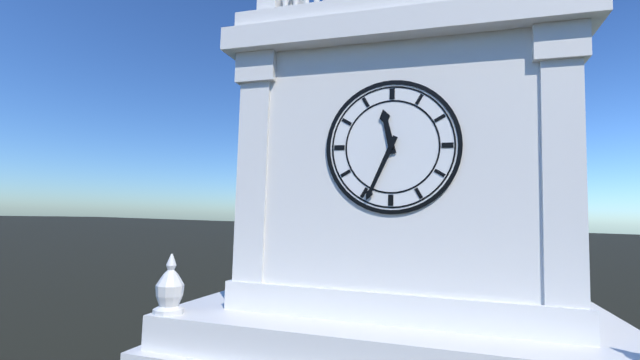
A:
11,34
